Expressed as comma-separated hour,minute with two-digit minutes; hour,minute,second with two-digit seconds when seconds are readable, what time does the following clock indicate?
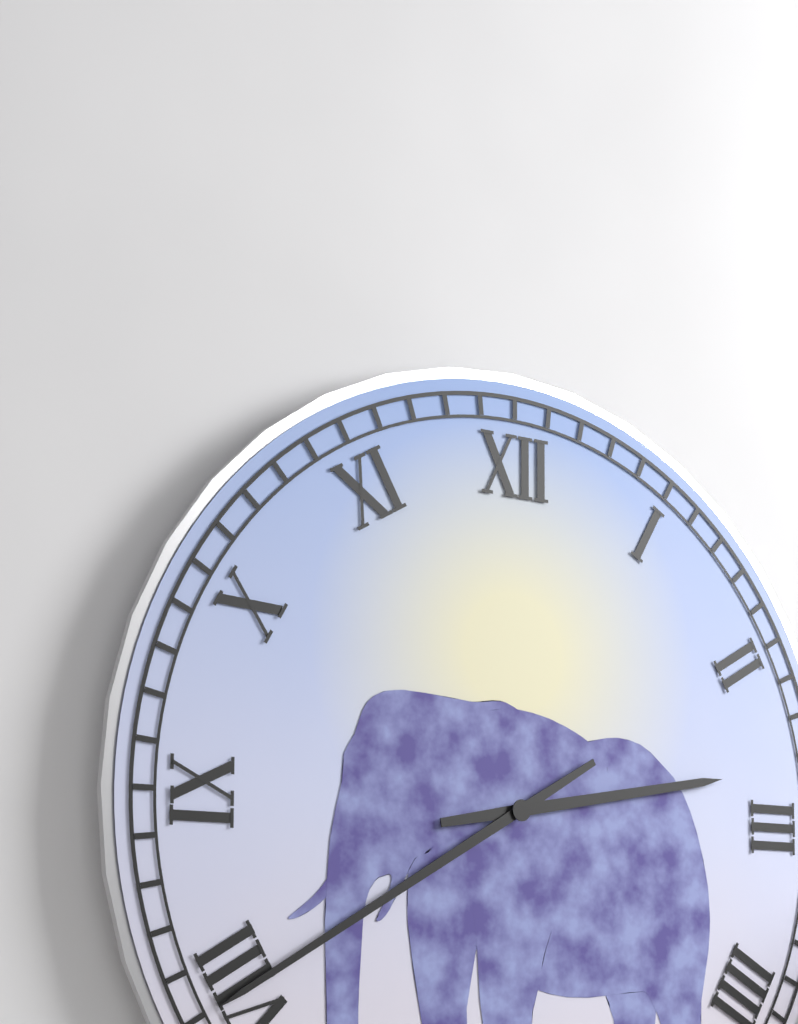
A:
2,40
